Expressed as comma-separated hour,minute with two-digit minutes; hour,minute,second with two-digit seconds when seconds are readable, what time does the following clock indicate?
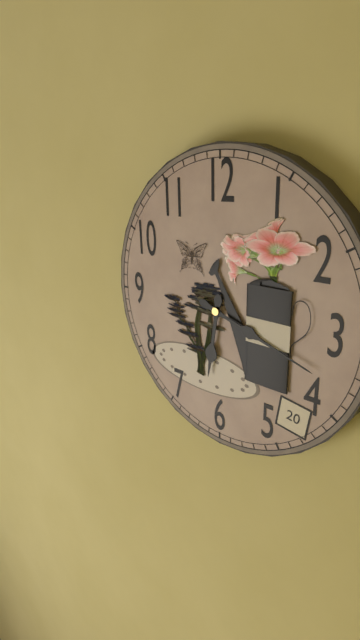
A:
6,18
